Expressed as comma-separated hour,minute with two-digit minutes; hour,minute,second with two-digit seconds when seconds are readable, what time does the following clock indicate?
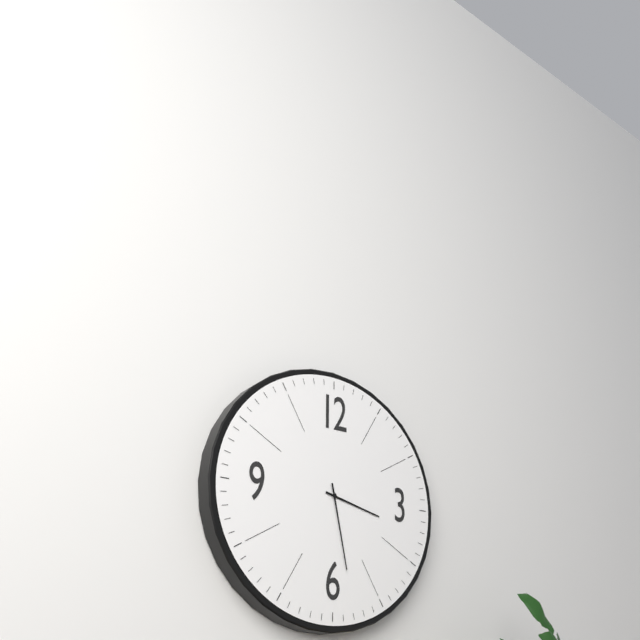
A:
3,28
